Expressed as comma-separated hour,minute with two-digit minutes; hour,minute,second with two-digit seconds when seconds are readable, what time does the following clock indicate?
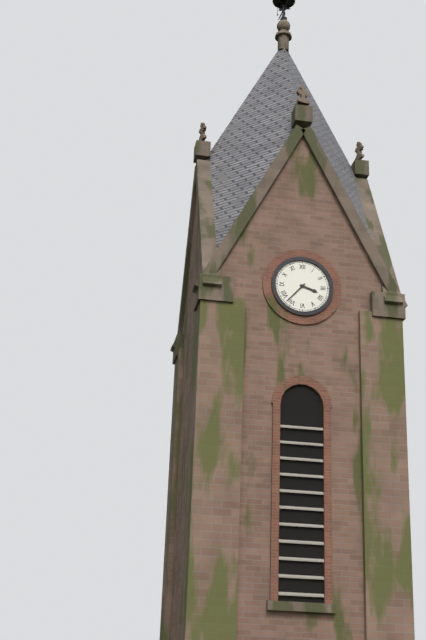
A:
3,37
